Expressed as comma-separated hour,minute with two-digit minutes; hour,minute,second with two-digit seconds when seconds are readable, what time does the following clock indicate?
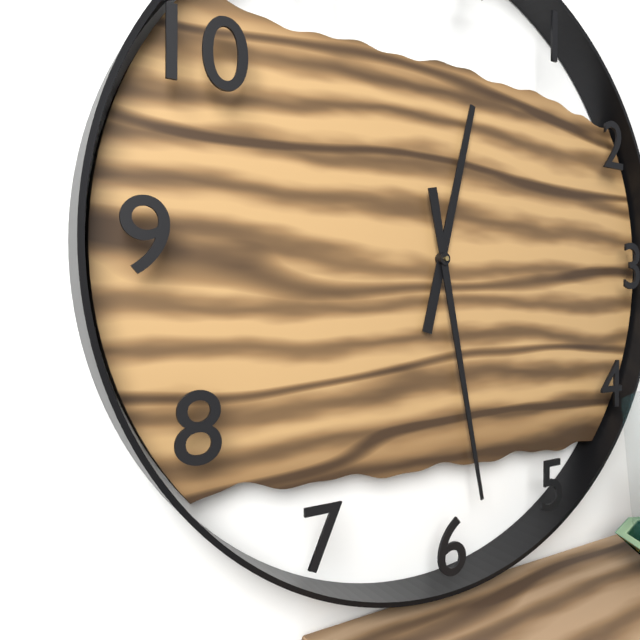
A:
12,28
